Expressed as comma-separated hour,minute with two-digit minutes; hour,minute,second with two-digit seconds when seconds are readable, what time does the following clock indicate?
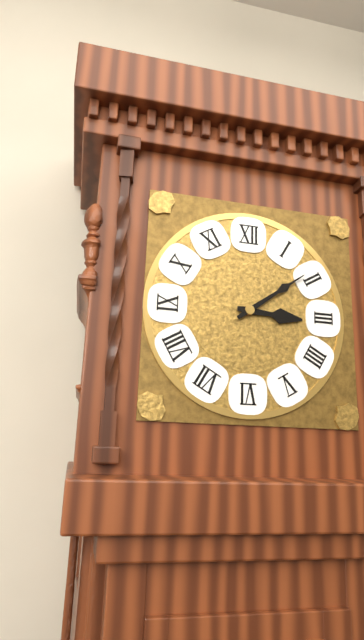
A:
3,09
